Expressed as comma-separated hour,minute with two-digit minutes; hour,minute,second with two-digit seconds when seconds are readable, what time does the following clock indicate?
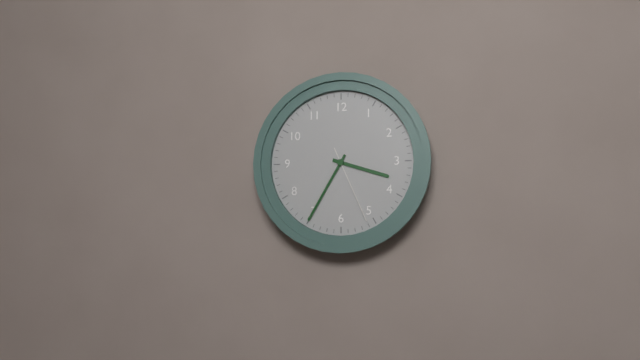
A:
3,35,26
